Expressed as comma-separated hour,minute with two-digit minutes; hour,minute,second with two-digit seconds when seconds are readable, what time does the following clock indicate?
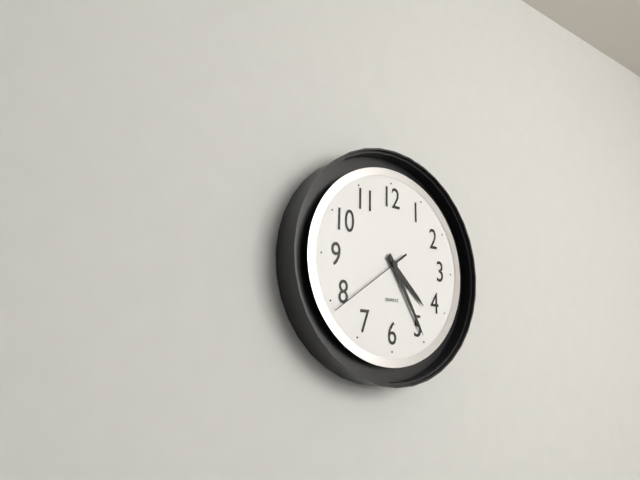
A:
4,25,39
